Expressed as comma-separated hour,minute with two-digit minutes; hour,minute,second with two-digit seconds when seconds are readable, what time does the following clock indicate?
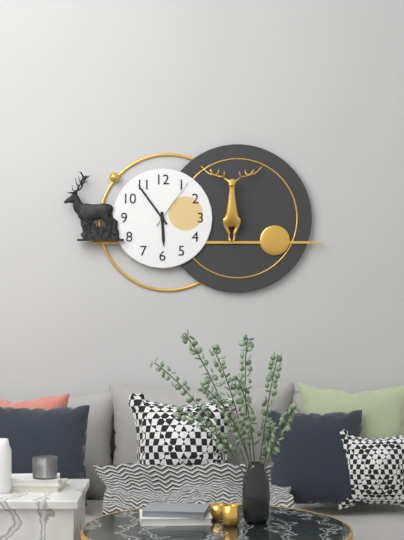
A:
5,54,06
